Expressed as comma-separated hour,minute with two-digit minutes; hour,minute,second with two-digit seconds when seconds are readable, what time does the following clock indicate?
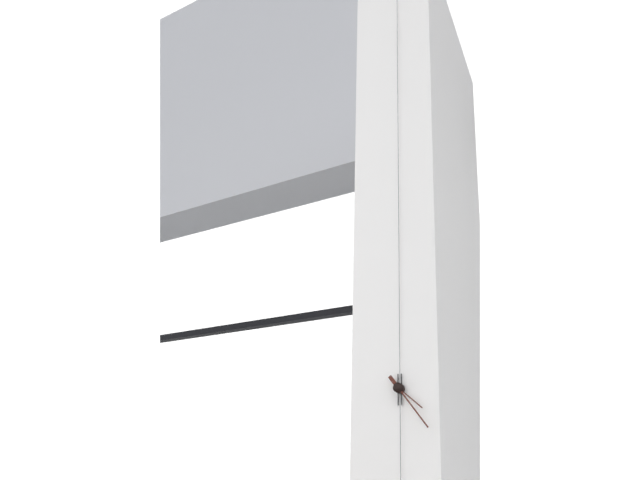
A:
4,24
